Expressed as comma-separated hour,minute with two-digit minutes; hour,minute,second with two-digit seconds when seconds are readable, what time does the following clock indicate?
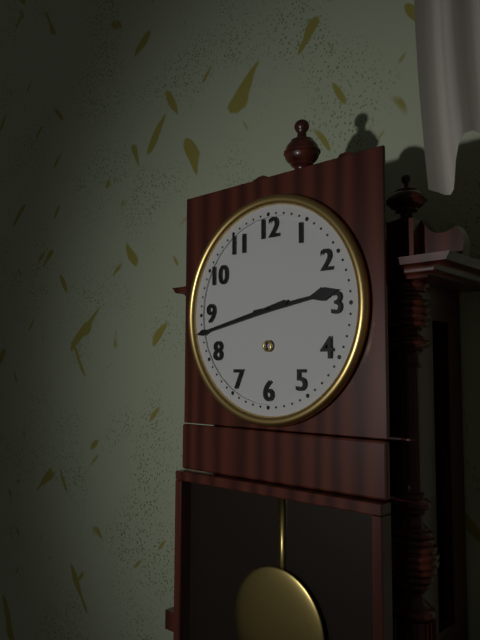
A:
2,43
